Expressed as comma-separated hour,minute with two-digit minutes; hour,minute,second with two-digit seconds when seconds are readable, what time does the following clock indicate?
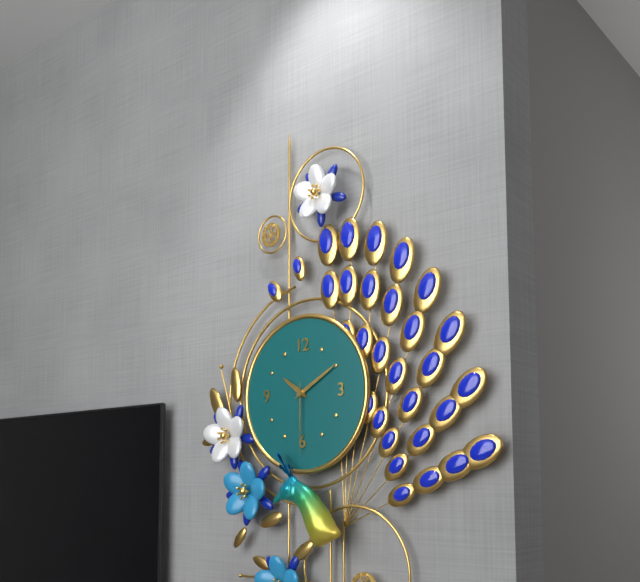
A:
10,10,30
